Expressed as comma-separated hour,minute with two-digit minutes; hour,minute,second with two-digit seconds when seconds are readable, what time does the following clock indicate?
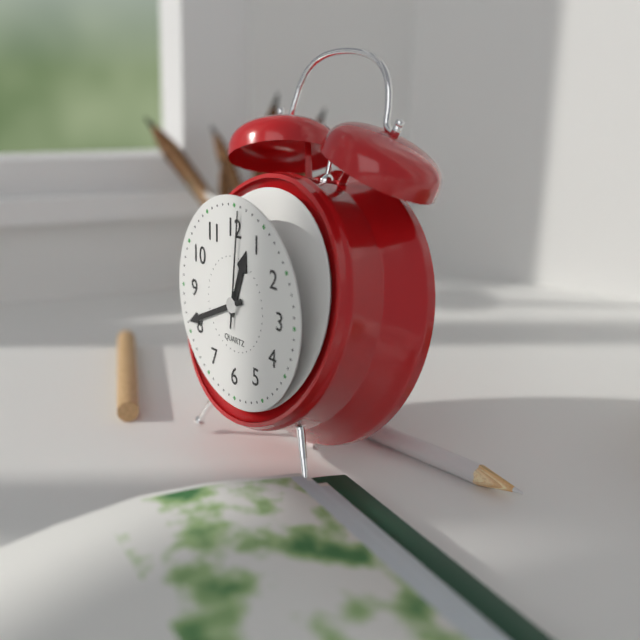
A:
12,41,01
